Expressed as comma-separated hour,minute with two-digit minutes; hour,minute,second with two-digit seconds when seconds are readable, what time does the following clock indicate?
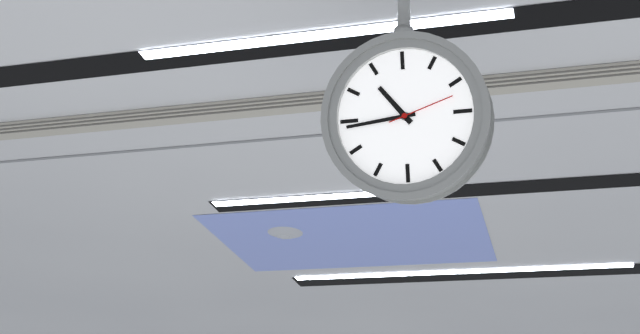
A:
10,44,12
